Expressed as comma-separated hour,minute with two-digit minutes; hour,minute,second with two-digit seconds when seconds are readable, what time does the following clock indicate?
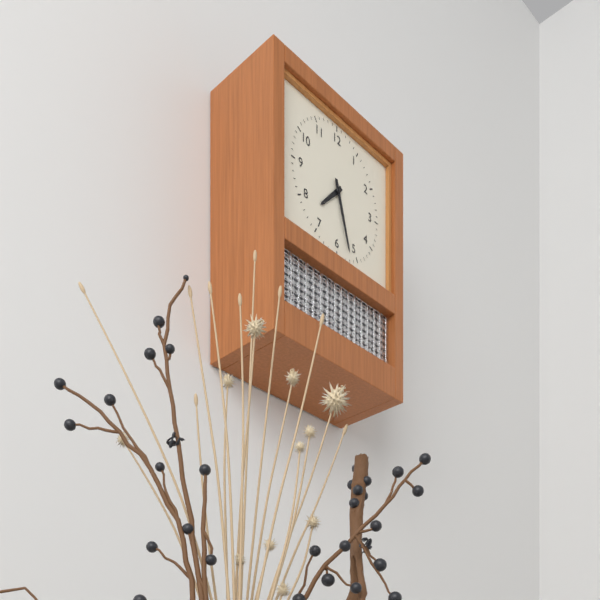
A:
7,27
